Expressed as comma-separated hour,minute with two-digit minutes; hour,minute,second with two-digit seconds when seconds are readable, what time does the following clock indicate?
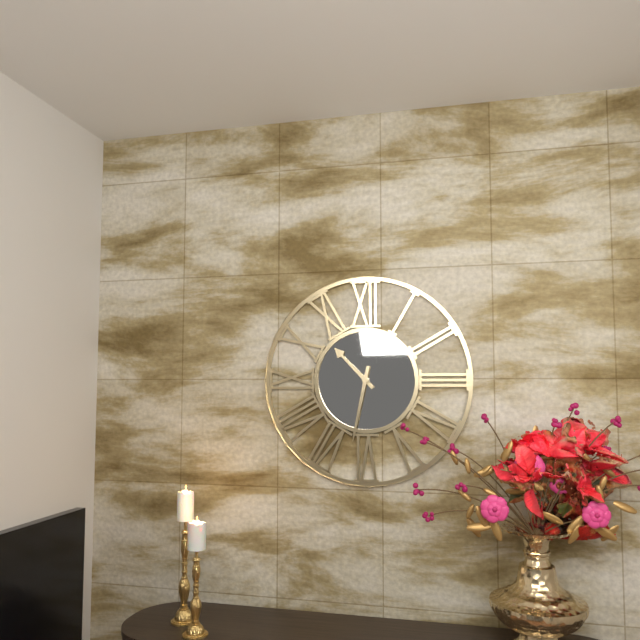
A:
10,32
